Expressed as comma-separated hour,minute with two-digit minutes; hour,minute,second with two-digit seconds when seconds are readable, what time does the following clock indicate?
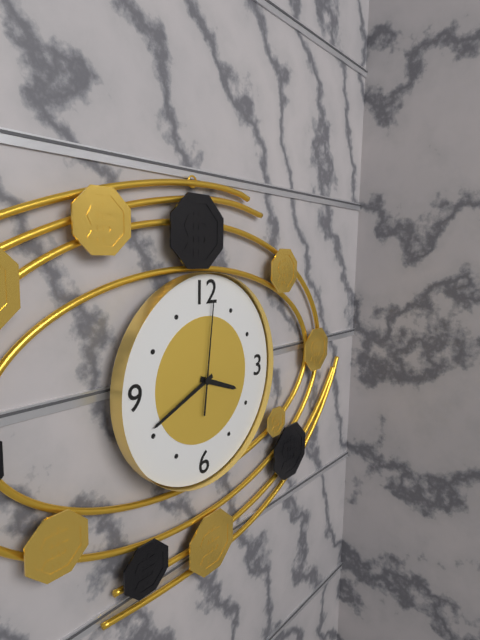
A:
3,41,01
